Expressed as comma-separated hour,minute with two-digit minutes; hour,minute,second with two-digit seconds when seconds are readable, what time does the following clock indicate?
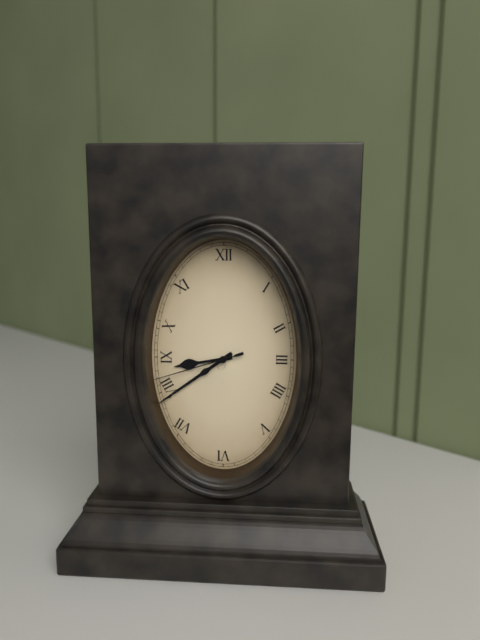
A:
8,39,42
